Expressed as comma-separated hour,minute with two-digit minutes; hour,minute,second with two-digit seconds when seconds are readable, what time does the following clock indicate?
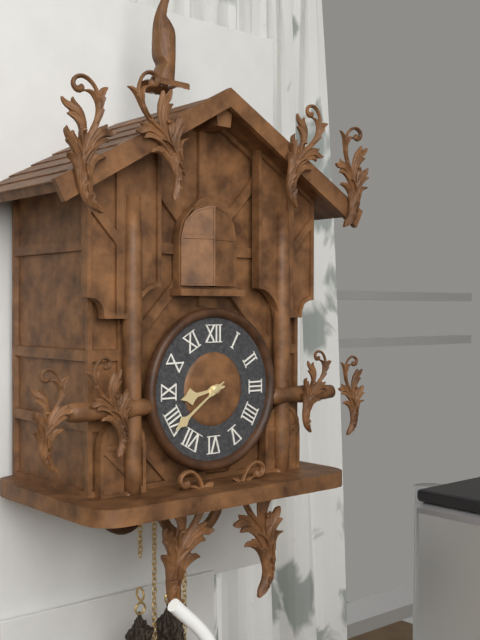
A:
8,39
